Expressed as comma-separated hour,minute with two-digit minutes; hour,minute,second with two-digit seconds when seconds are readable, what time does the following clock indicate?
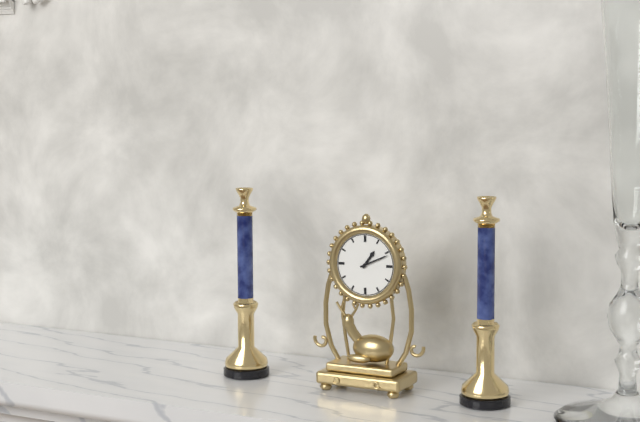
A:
1,11
